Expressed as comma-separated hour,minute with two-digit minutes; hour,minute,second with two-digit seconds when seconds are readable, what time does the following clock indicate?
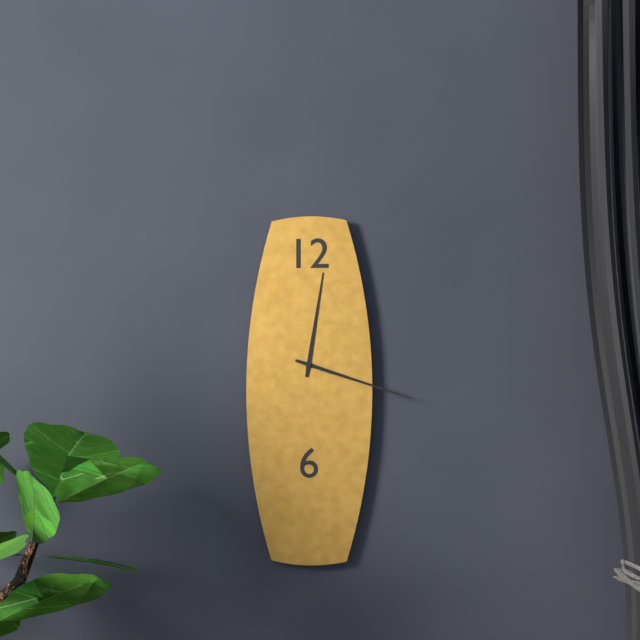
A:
12,18
